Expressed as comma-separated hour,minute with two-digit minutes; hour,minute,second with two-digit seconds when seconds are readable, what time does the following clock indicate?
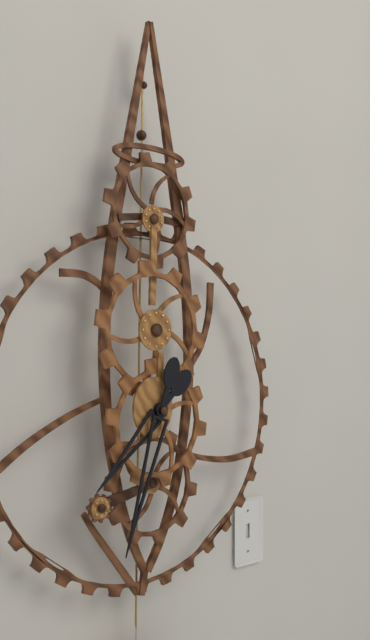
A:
7,33
